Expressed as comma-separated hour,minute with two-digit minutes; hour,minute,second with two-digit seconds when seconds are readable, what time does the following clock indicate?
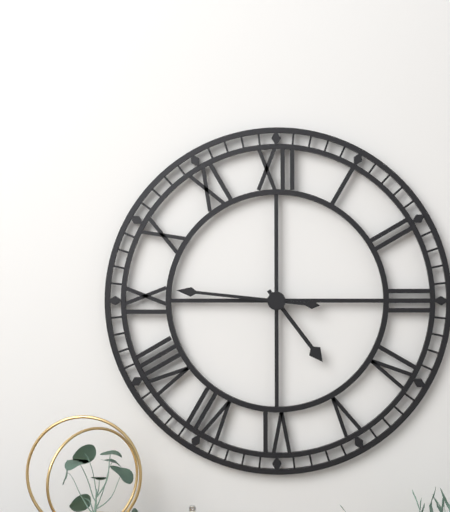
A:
4,46
